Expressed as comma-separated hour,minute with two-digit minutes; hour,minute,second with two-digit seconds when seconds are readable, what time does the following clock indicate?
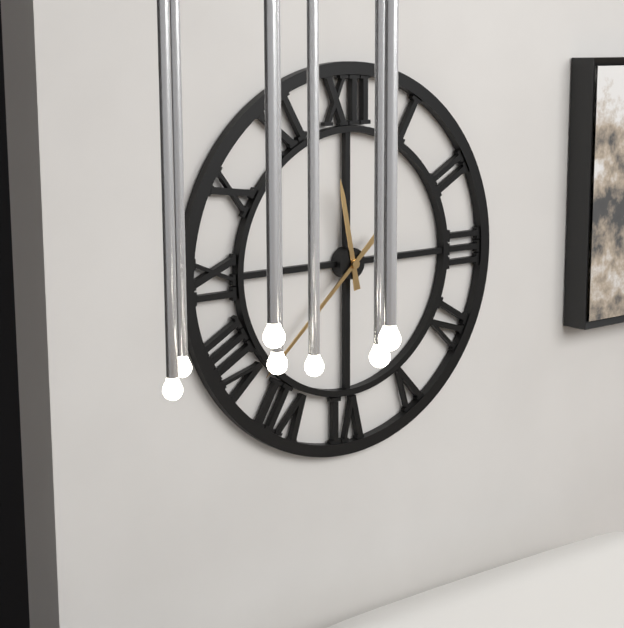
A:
11,38
